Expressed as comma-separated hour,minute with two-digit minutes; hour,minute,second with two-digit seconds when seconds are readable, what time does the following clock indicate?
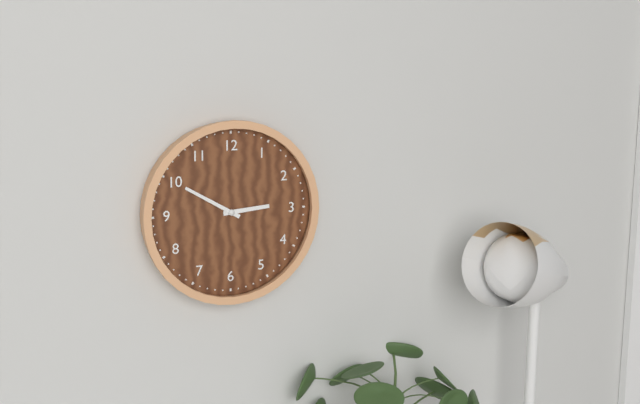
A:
2,50
